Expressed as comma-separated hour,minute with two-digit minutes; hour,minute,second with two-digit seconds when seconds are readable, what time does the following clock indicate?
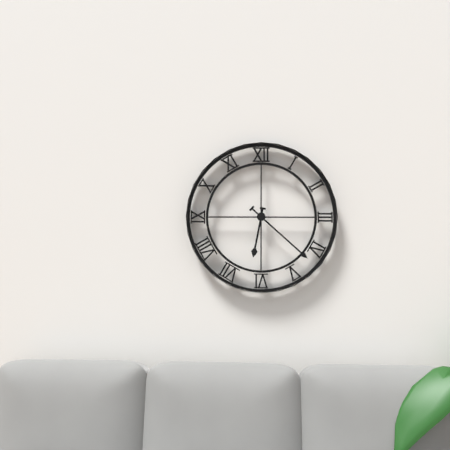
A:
6,22
